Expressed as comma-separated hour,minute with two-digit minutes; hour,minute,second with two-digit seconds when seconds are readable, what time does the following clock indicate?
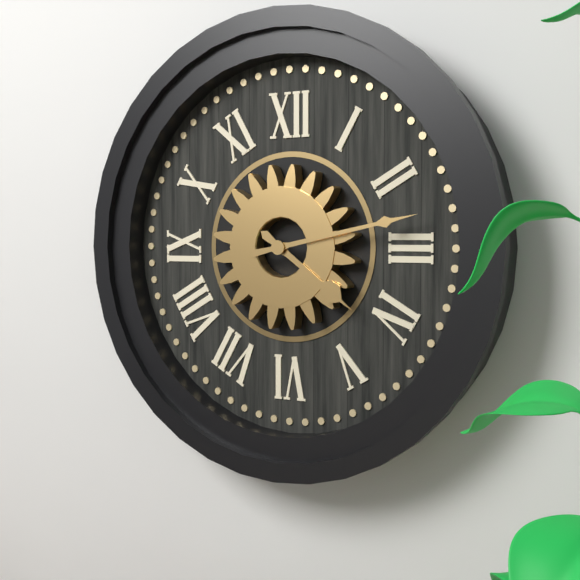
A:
4,13
